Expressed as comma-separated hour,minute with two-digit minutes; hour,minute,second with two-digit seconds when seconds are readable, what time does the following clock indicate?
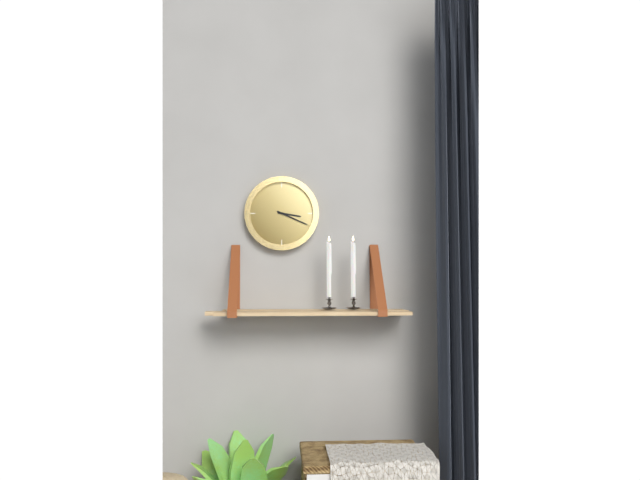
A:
3,19
